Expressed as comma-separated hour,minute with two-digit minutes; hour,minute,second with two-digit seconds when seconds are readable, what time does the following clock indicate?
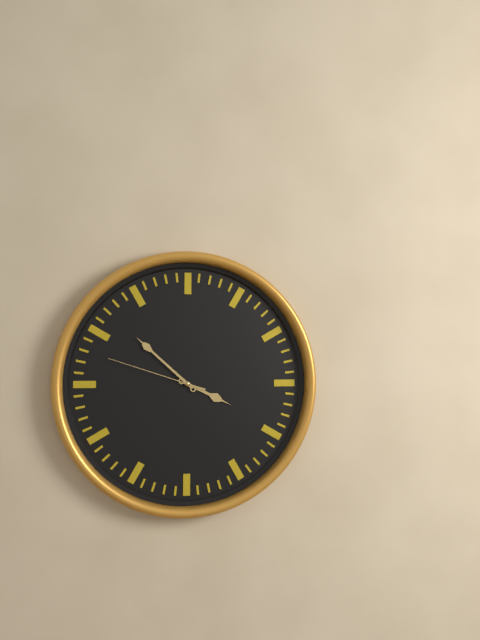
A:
3,52,48
